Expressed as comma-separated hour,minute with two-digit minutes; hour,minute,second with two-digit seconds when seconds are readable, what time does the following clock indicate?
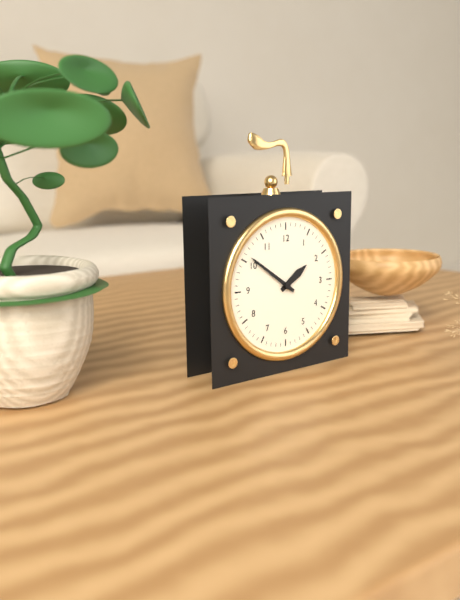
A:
1,51
